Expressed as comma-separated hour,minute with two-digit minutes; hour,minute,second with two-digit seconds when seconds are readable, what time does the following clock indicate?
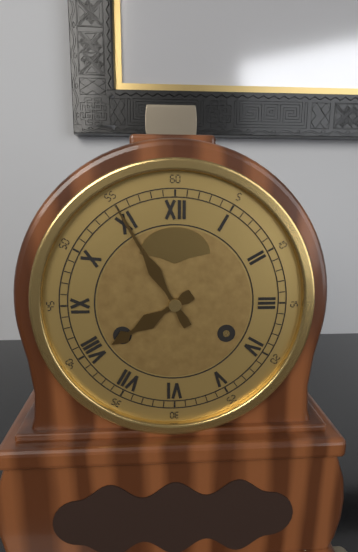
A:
7,55
